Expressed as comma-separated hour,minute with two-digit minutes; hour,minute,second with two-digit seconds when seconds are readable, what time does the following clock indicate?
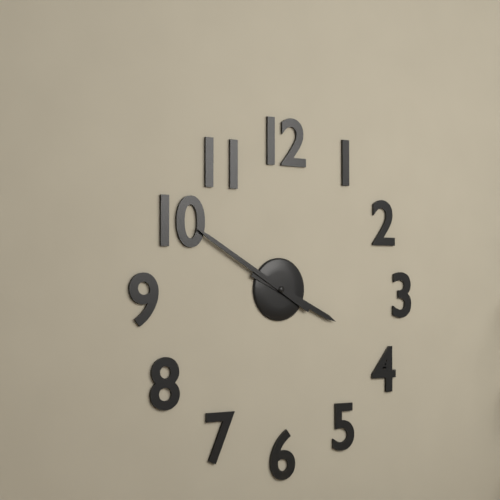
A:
3,50
